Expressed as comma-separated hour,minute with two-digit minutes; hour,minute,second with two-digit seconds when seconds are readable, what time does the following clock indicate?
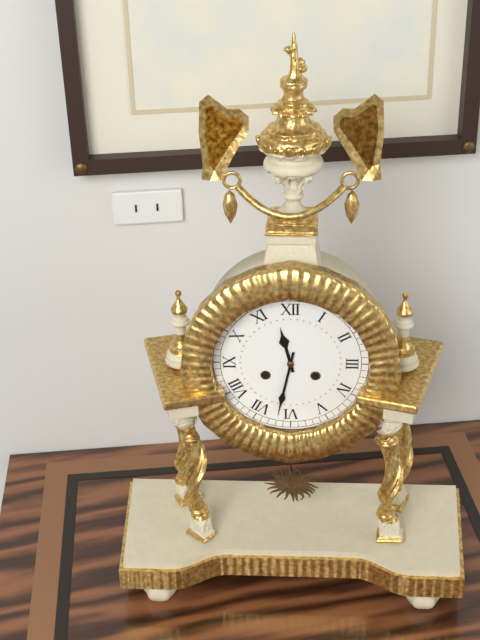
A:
11,32
